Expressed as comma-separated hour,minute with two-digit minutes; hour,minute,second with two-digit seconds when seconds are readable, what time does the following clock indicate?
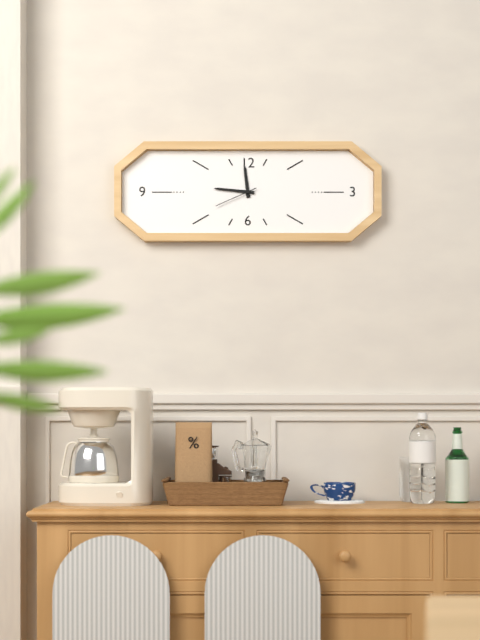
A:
11,46
